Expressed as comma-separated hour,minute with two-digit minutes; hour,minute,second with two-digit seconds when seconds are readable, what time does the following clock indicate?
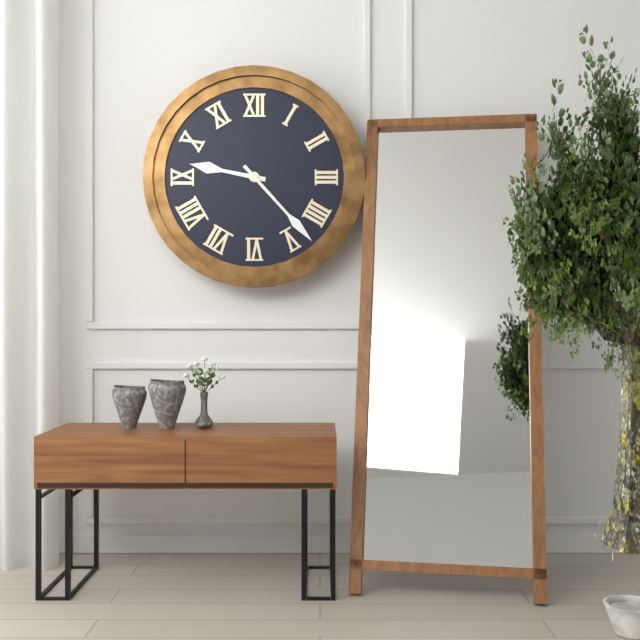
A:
9,23
